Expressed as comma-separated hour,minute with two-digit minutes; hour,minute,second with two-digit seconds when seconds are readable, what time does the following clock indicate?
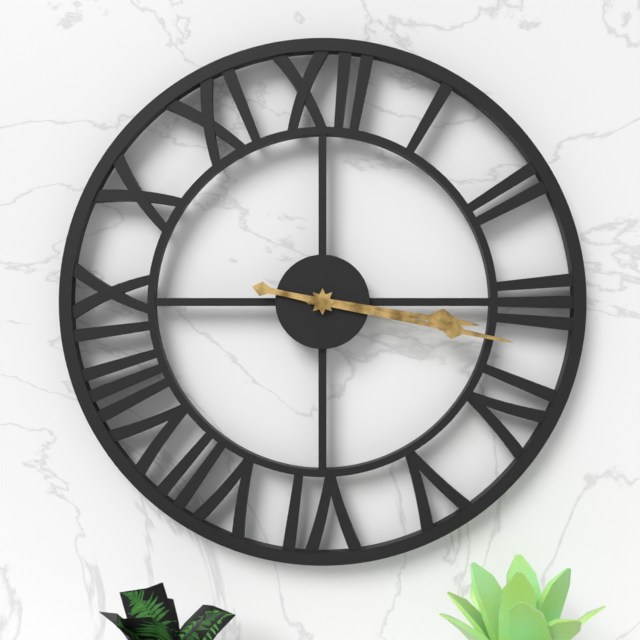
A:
3,17
